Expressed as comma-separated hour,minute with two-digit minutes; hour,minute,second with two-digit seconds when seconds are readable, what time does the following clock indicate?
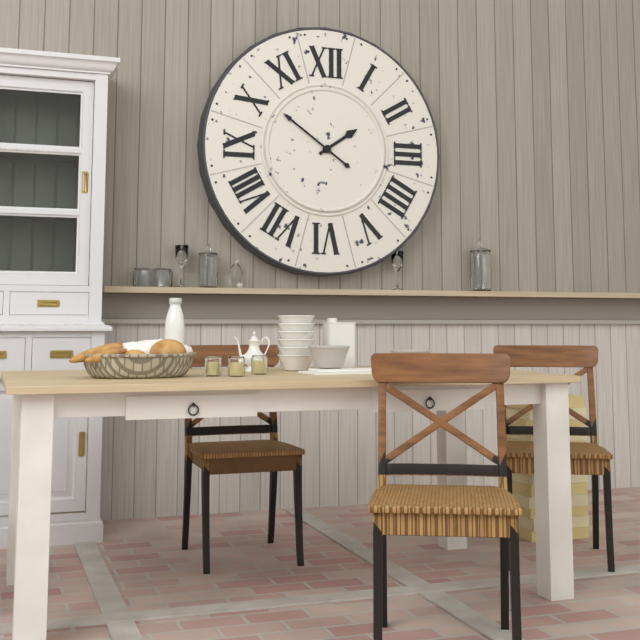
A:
1,51
